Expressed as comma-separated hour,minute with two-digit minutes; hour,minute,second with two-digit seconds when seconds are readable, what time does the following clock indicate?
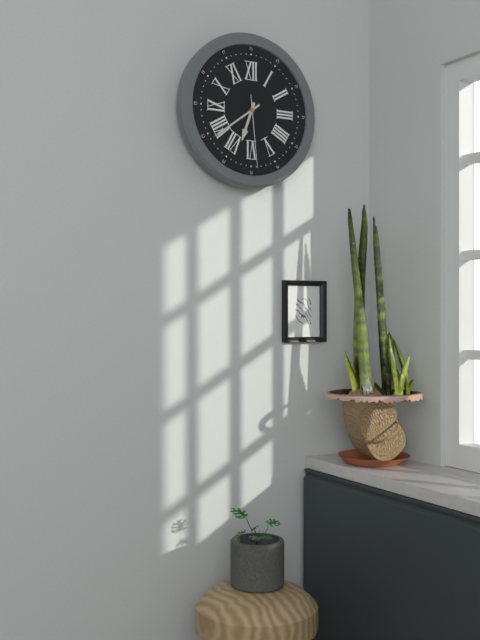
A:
6,39,29
